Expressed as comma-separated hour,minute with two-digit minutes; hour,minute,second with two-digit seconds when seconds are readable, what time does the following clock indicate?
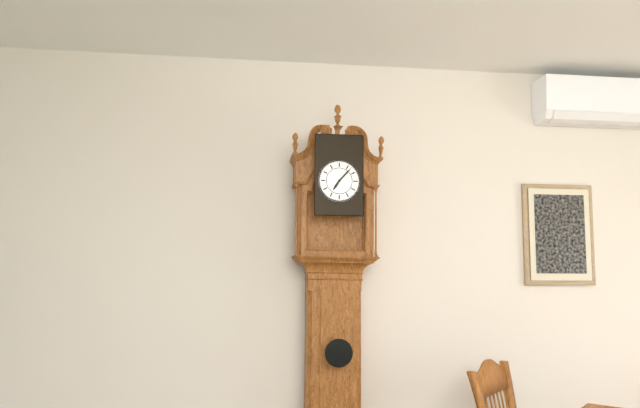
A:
7,07
